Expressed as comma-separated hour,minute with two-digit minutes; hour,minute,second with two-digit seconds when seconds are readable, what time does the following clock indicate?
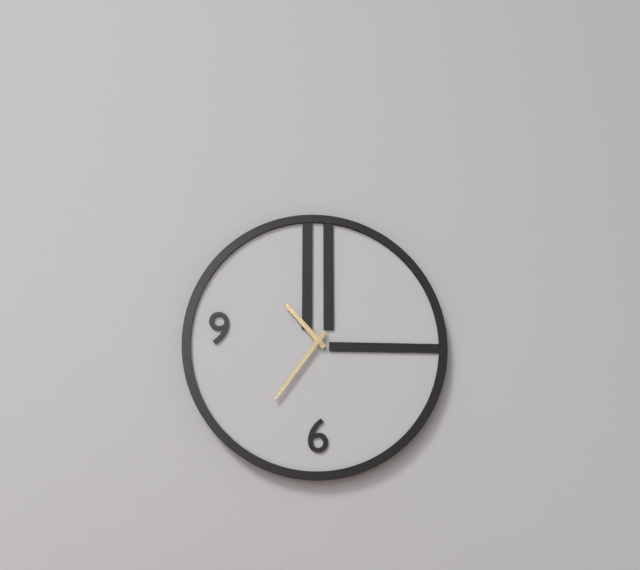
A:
10,36
